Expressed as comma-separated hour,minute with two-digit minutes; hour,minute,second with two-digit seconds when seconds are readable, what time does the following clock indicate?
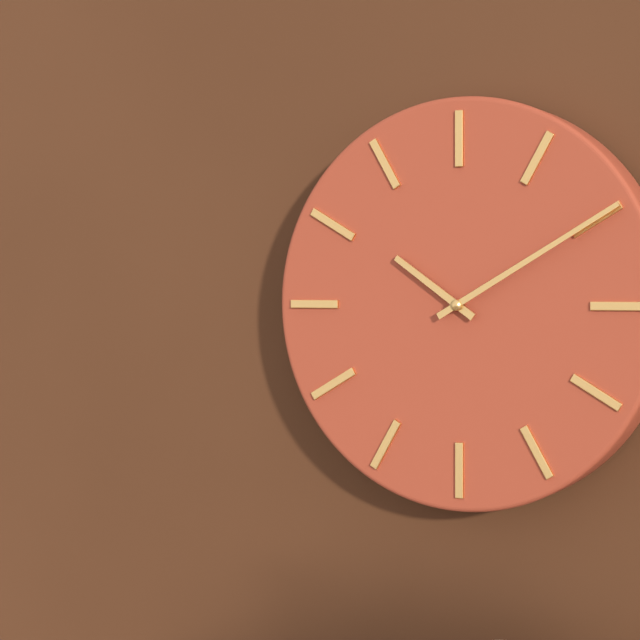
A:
10,10
